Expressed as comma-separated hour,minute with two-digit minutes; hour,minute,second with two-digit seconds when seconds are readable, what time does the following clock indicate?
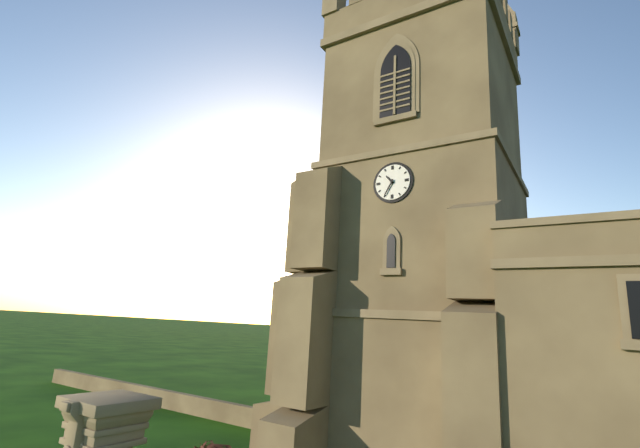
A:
10,35
